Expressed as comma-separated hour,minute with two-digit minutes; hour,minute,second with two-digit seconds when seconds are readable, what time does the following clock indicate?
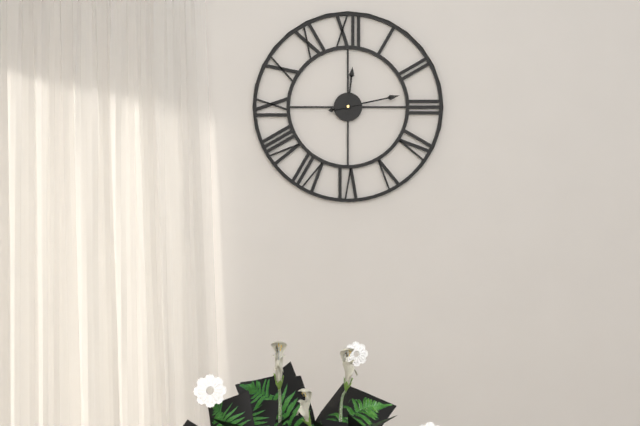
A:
12,13
